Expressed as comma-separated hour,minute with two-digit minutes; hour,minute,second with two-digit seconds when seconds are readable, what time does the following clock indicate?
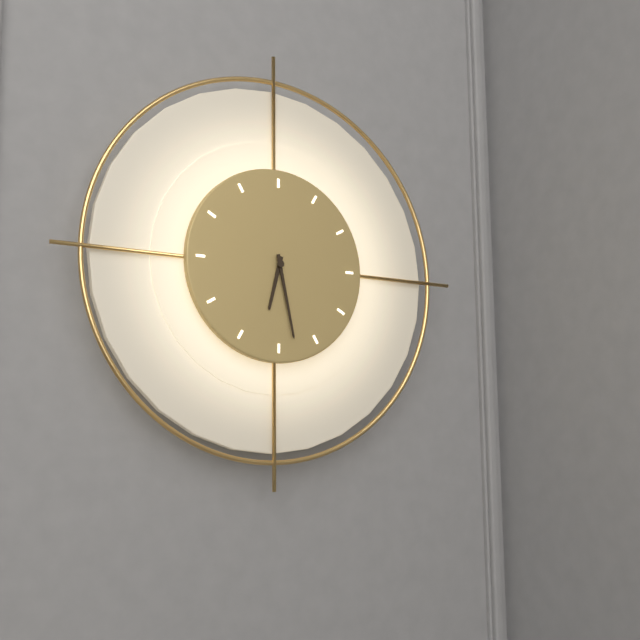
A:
6,28
